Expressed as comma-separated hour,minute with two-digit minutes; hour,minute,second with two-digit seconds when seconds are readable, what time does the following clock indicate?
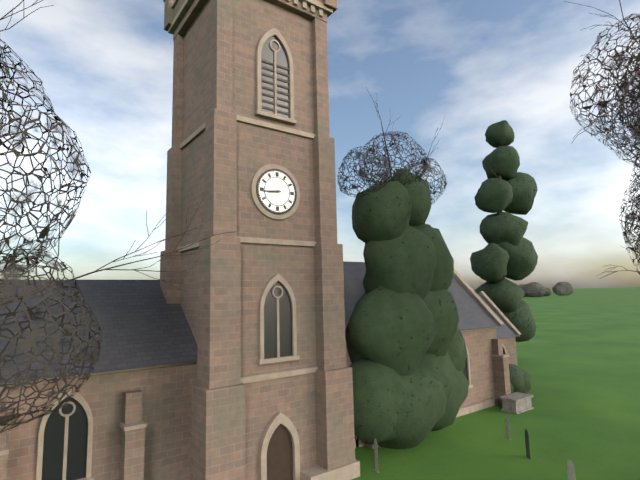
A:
8,44
